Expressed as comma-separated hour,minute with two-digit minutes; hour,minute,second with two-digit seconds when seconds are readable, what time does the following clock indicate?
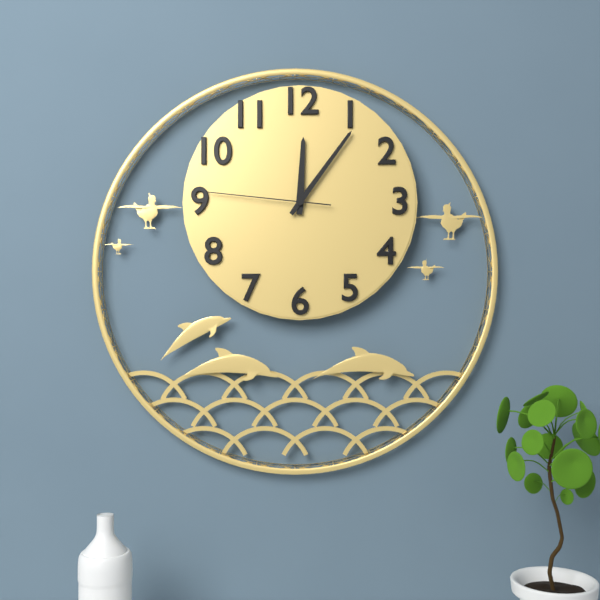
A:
12,06,46
